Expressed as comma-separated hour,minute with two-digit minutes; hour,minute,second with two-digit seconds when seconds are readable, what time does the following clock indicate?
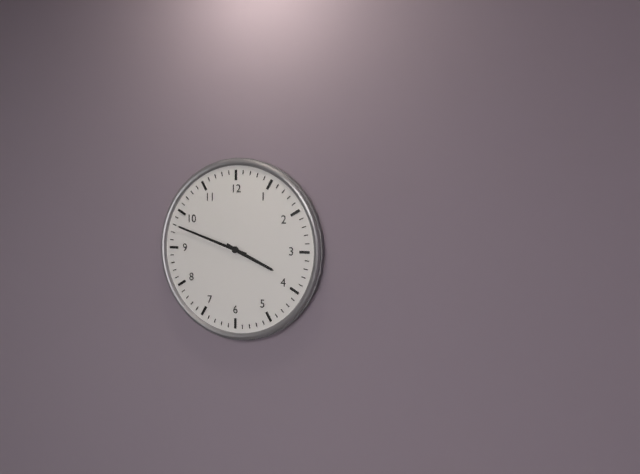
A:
3,48
